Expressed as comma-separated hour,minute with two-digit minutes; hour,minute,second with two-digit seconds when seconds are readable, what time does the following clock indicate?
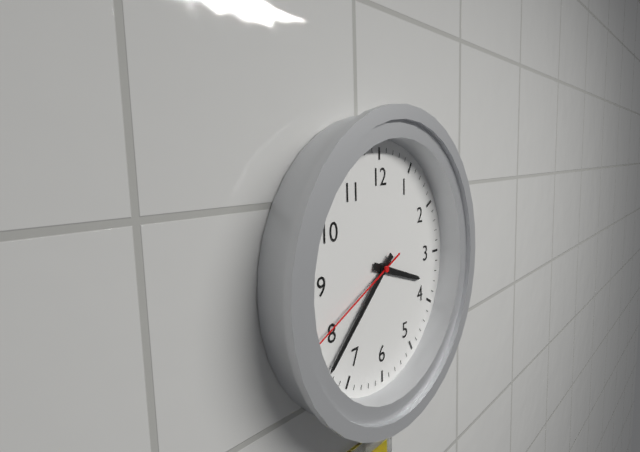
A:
3,38,41
